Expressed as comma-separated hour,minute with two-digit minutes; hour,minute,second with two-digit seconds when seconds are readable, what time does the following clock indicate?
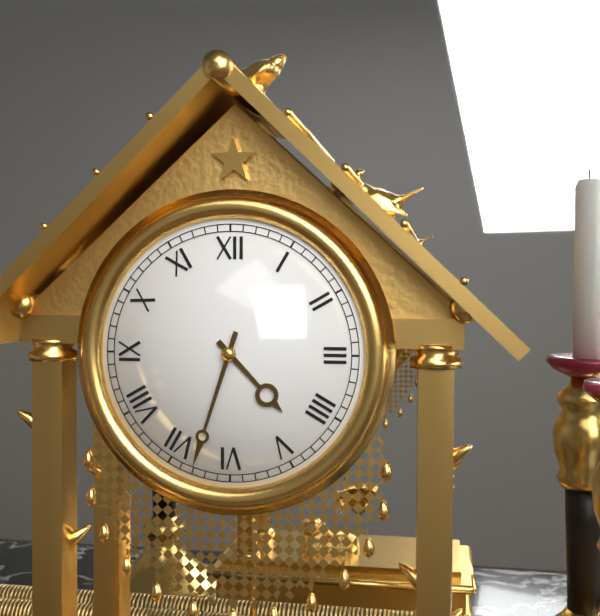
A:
4,33
